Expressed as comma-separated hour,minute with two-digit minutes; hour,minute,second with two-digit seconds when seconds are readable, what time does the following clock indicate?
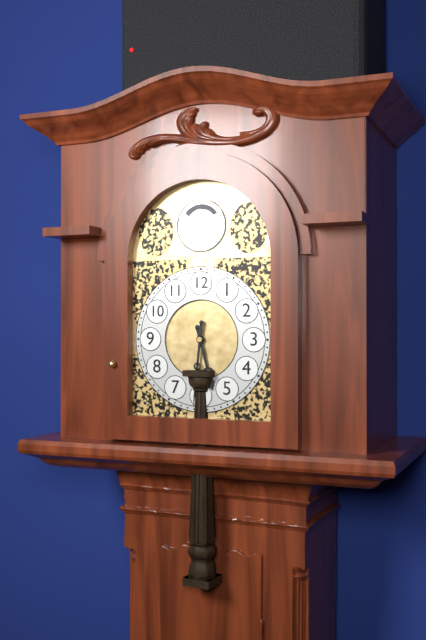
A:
5,31
